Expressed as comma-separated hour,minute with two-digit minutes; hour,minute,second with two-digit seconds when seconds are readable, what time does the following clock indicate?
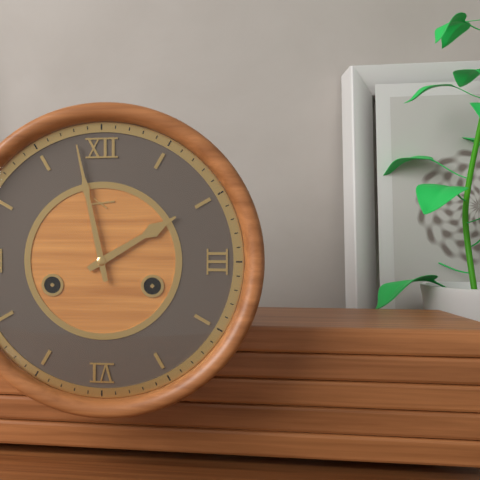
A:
1,58
